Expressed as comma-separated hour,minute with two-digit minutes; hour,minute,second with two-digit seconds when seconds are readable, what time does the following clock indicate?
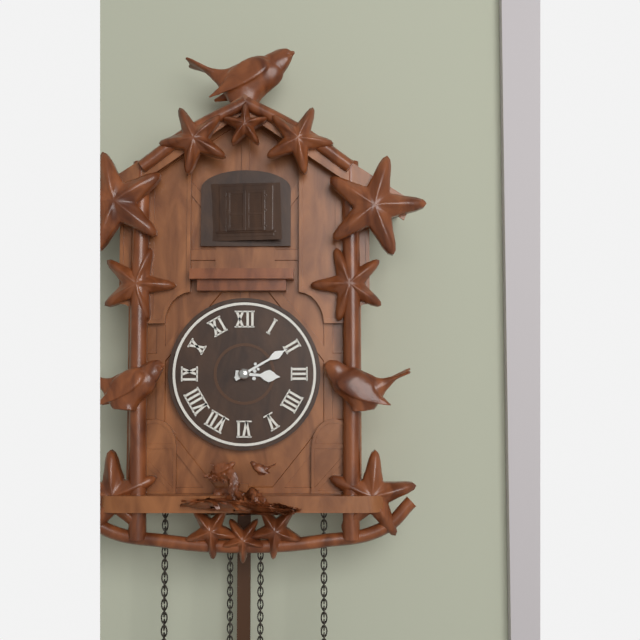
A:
3,10
